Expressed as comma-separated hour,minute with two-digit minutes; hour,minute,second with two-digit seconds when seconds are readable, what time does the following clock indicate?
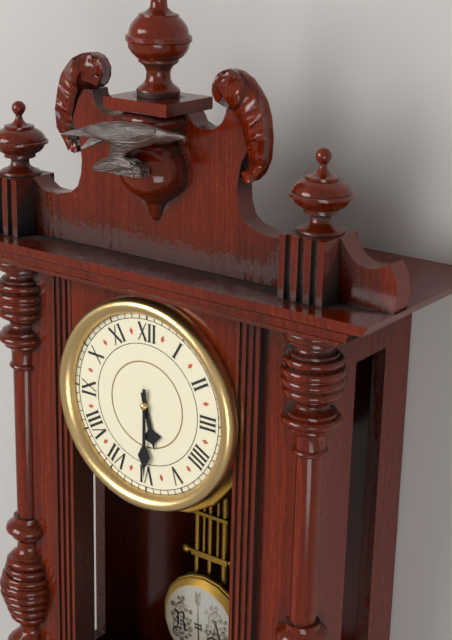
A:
5,30
